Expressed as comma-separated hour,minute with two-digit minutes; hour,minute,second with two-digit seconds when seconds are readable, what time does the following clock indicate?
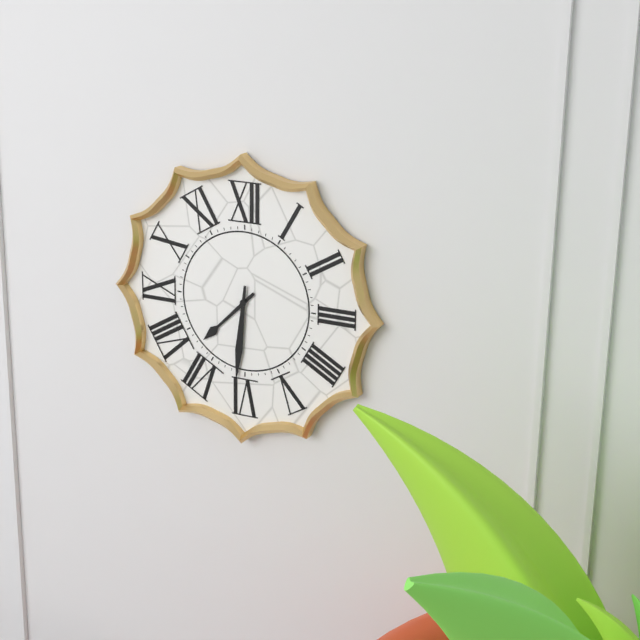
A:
7,31
